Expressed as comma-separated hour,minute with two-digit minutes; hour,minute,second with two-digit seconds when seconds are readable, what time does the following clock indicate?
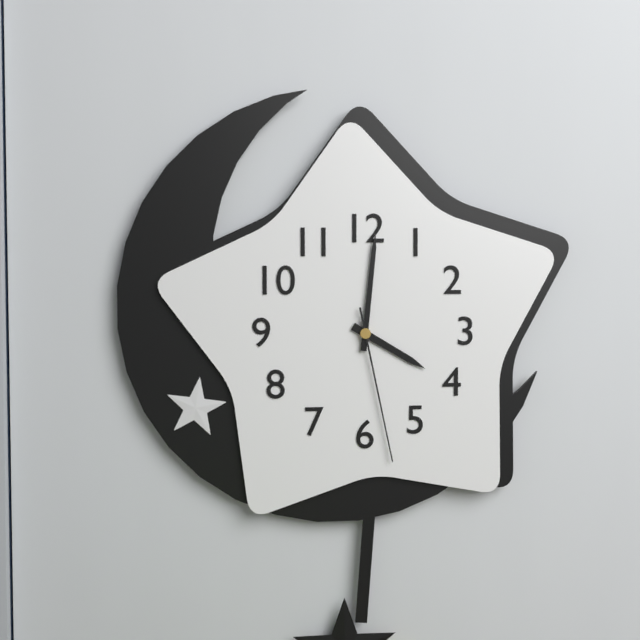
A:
4,01,28
